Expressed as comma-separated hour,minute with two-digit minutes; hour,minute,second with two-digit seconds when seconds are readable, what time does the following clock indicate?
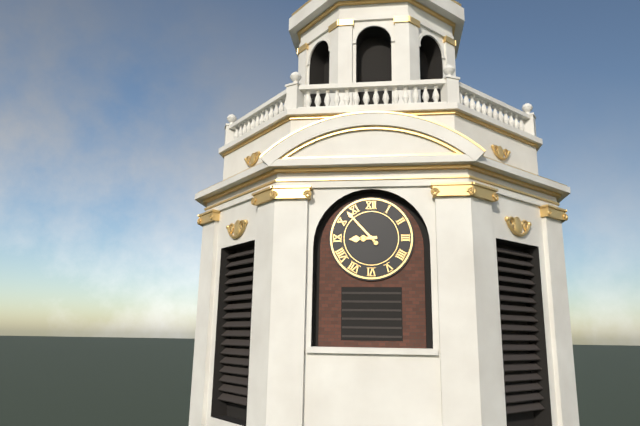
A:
8,53
